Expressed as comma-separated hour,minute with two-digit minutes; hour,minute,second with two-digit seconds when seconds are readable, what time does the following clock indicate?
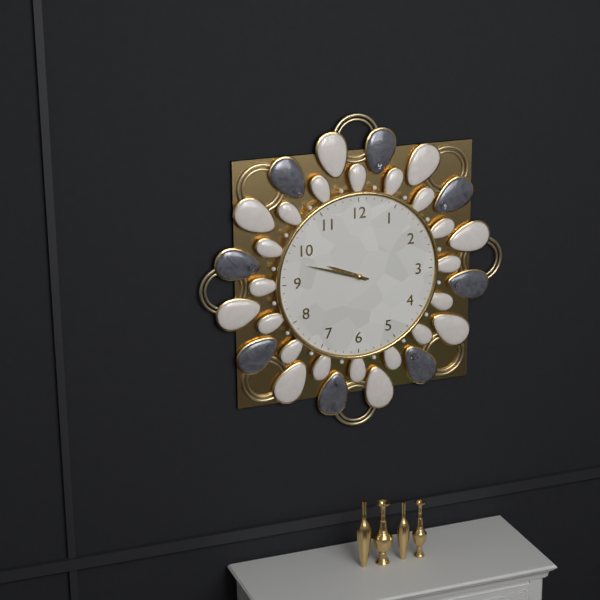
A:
9,48
